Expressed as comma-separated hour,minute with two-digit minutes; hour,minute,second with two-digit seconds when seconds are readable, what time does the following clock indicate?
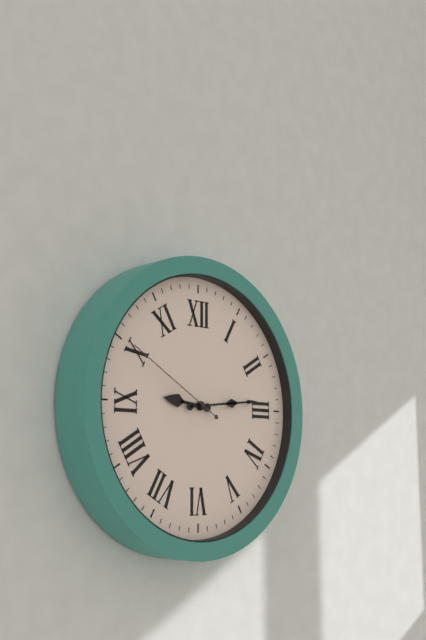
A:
9,14,50
